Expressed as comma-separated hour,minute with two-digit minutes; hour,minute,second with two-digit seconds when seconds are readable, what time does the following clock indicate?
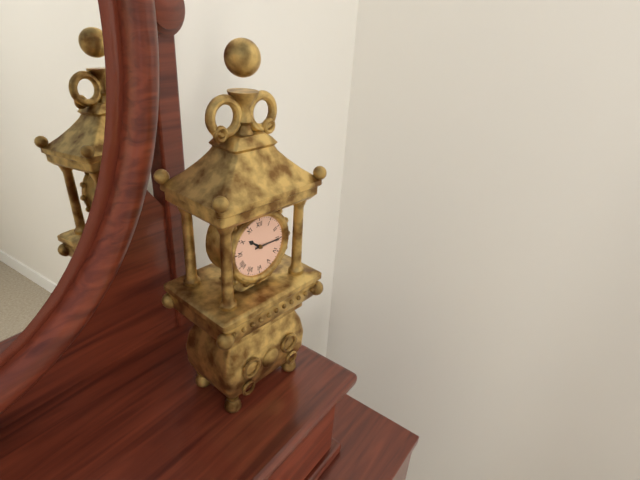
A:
10,15
